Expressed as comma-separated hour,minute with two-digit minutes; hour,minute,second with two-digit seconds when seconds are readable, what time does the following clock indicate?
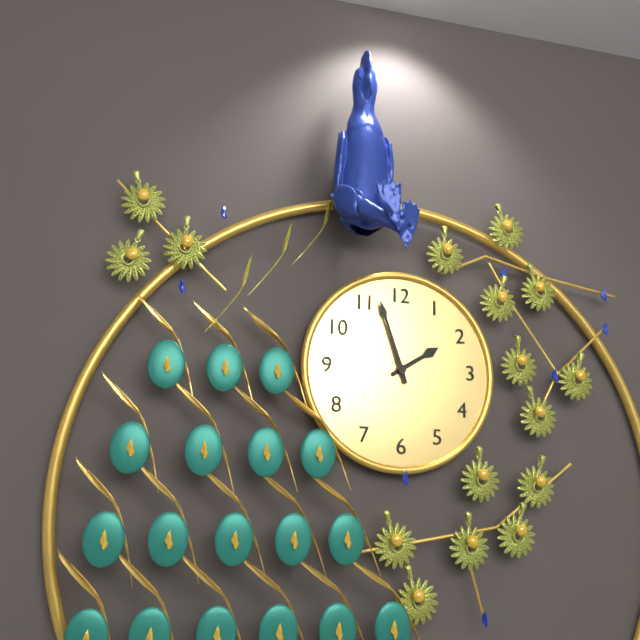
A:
1,57
